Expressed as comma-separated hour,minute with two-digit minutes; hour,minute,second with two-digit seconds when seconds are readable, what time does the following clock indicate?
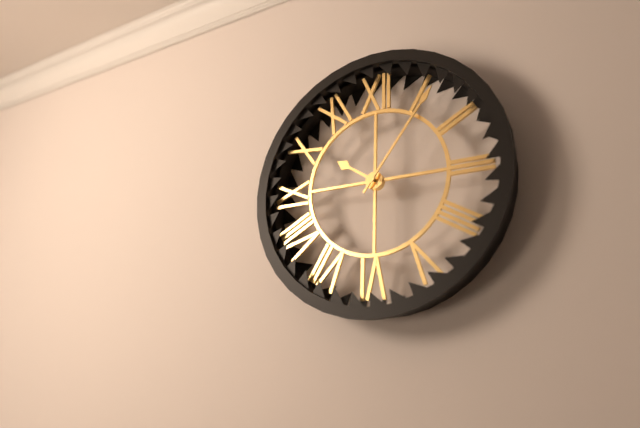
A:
10,06
